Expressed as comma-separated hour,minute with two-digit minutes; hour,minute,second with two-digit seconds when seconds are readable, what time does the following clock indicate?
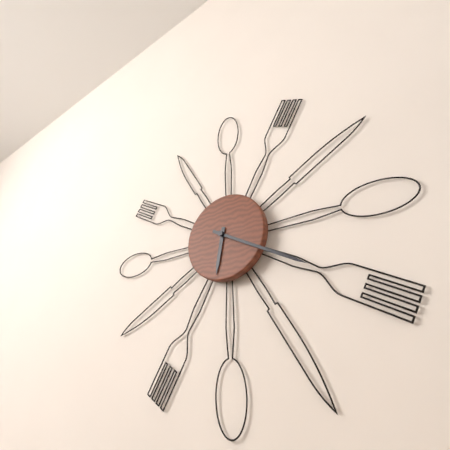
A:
6,20
